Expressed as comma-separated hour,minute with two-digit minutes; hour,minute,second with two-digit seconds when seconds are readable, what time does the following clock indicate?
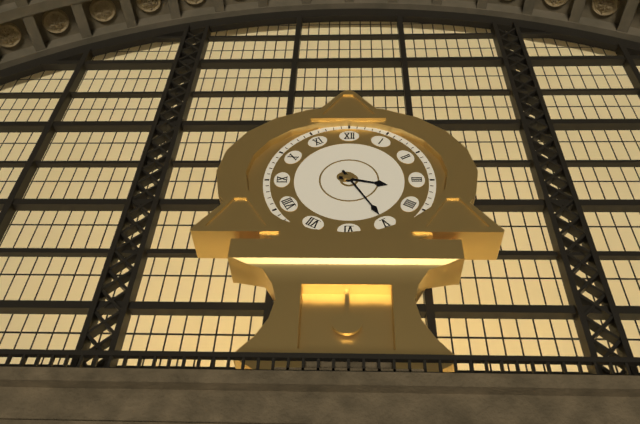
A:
3,25
